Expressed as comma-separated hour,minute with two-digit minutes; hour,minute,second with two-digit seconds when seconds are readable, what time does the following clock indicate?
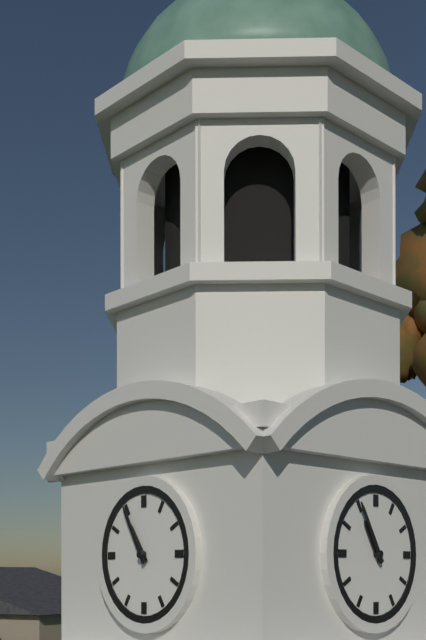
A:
10,55
